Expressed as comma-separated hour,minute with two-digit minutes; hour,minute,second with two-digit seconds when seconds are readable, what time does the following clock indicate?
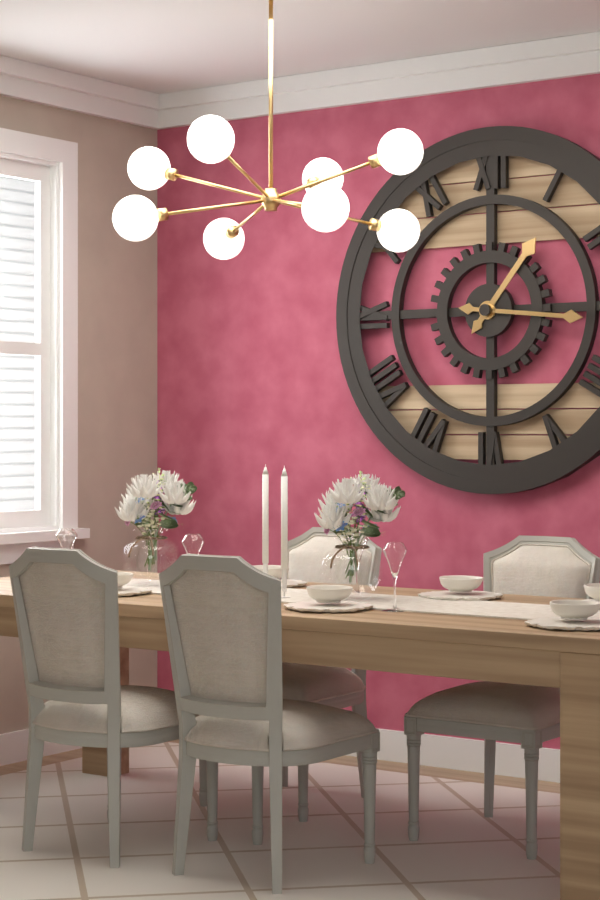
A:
1,16
